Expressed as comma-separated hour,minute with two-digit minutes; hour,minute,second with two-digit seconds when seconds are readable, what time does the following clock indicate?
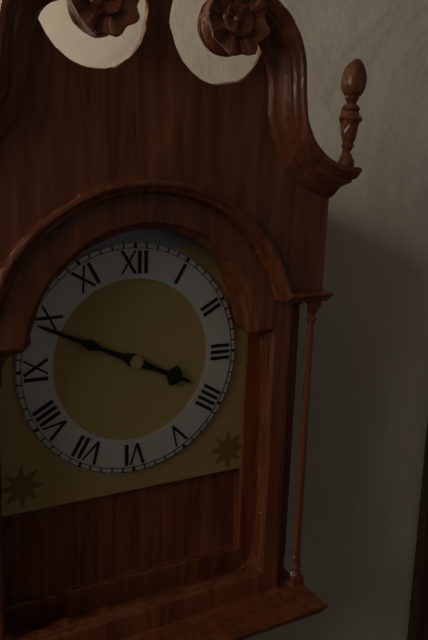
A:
3,49
